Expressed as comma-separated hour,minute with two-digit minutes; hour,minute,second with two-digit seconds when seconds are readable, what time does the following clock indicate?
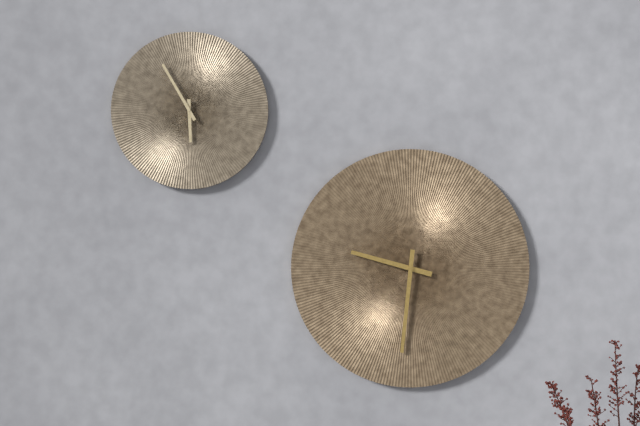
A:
9,31
